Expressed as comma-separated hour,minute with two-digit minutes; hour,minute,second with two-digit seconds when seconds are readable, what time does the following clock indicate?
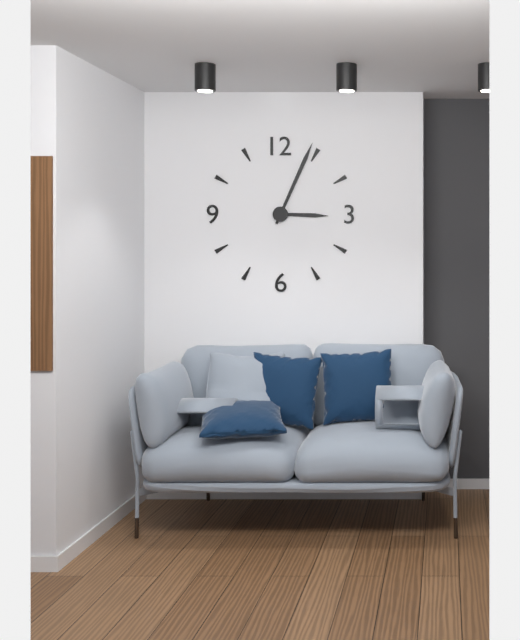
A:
3,04
